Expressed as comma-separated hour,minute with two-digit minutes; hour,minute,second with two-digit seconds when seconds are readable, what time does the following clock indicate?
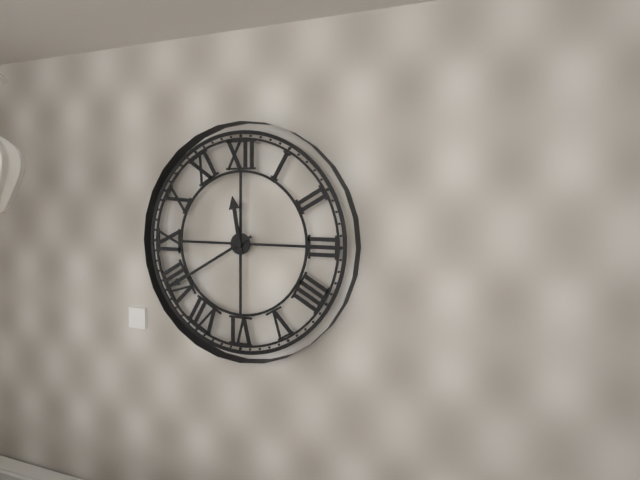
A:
11,40
